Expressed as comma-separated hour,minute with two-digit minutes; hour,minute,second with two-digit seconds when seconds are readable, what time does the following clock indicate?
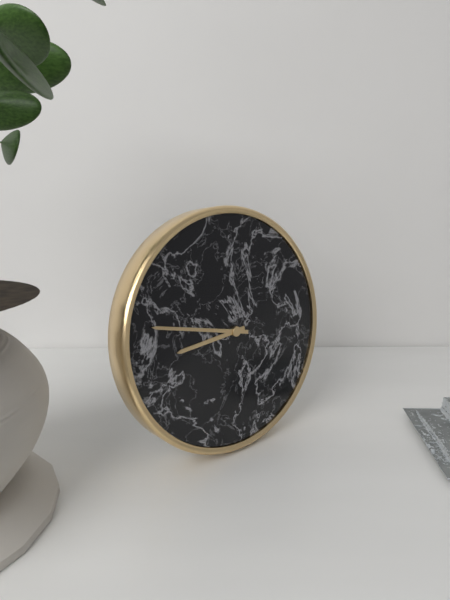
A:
8,47
